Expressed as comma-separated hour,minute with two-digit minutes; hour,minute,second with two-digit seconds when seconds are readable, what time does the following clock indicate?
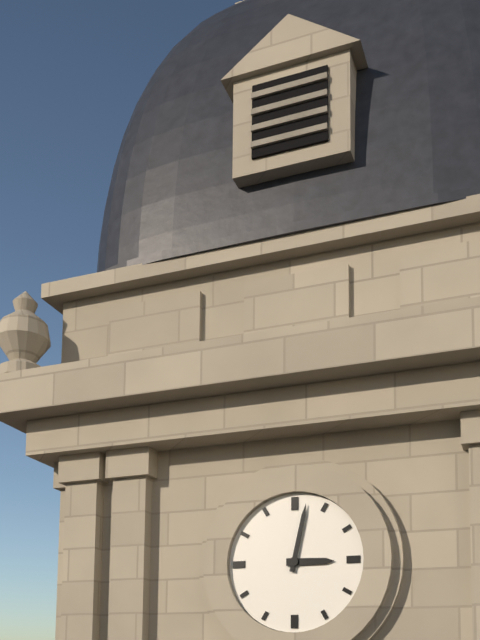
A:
3,02
